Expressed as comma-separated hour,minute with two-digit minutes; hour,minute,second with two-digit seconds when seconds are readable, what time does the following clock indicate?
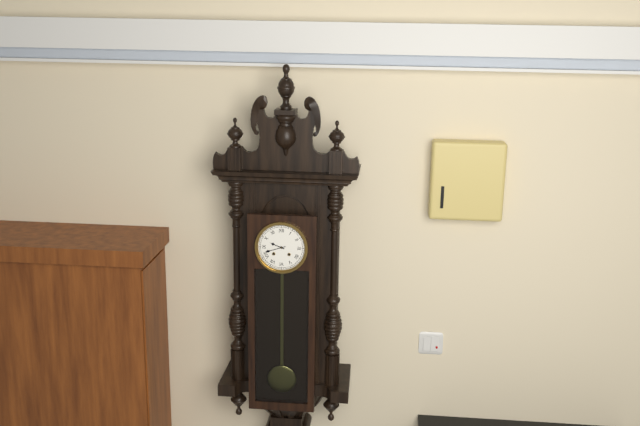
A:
9,42
